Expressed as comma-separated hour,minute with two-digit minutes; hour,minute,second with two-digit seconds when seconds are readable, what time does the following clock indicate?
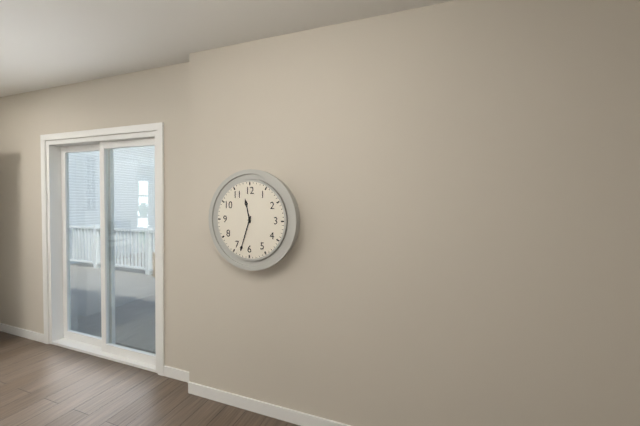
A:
11,33
